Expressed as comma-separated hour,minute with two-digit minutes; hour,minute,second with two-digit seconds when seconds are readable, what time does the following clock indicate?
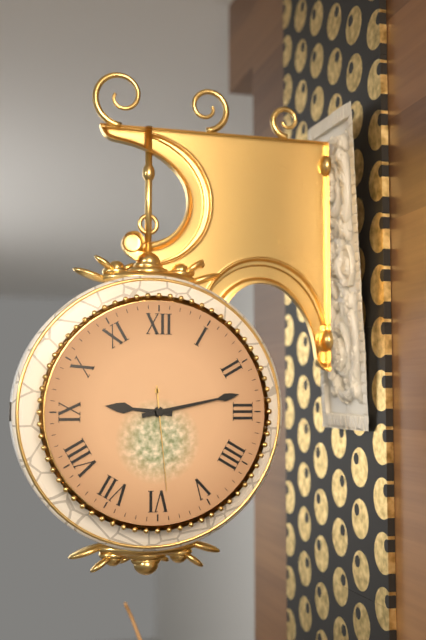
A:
9,13,29
